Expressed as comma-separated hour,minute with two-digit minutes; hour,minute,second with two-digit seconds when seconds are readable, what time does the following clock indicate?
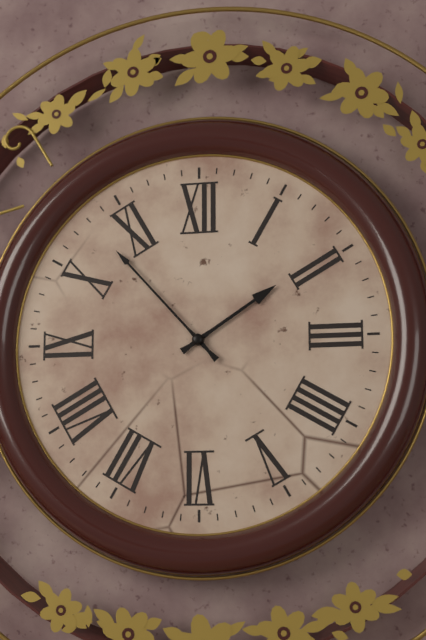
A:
1,53
